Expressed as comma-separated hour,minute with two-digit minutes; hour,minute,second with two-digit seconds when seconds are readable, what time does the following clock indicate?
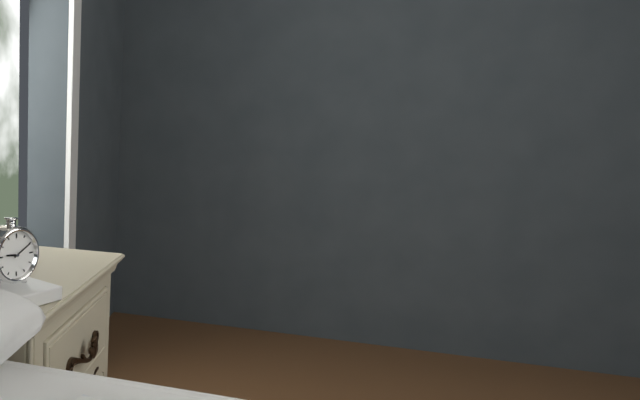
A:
9,10
